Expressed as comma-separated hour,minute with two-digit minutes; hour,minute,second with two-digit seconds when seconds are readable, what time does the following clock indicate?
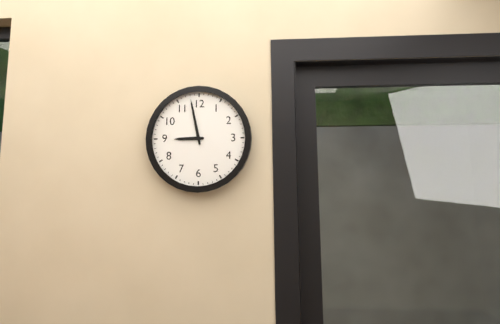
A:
8,58
